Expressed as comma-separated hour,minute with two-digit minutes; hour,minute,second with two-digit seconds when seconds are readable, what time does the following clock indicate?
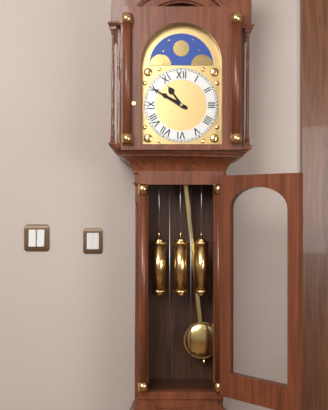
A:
10,50
